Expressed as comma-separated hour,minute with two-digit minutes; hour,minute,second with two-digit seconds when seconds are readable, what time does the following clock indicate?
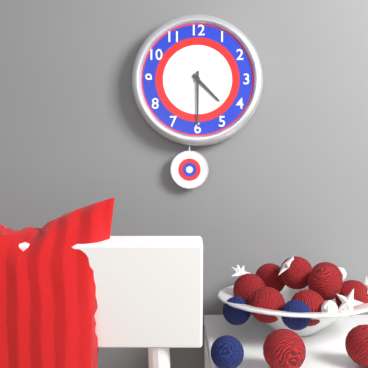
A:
4,30
